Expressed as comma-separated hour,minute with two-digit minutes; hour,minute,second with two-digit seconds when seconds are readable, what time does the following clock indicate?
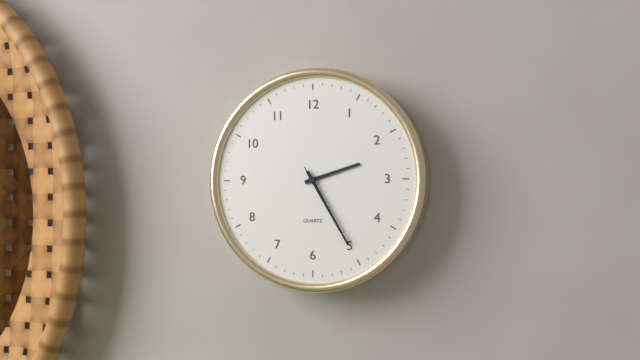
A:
2,25,25
